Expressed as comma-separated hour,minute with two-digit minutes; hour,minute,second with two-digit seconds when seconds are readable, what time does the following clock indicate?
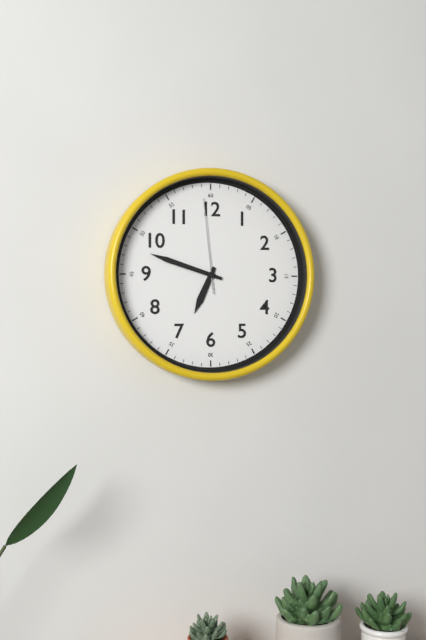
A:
6,48,59
